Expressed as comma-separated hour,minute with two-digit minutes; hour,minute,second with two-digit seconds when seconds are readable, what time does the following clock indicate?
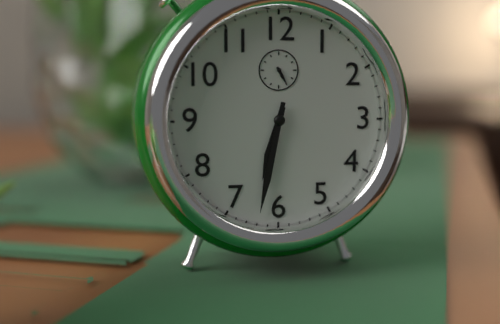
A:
6,32
